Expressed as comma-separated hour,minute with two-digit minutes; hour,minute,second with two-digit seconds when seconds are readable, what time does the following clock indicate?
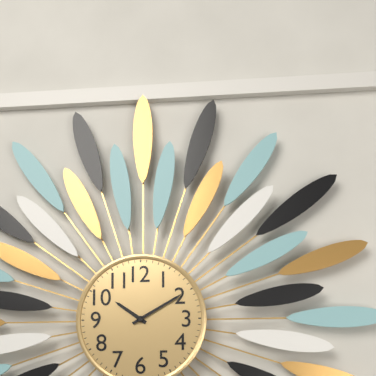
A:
10,10
